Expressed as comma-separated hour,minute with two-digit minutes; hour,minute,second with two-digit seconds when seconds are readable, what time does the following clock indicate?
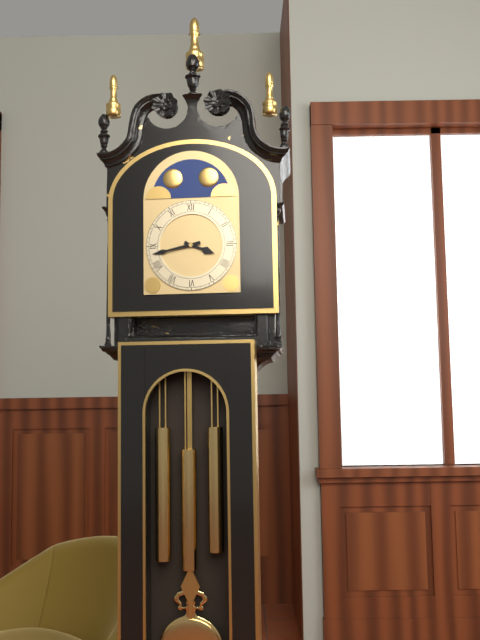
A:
3,43
